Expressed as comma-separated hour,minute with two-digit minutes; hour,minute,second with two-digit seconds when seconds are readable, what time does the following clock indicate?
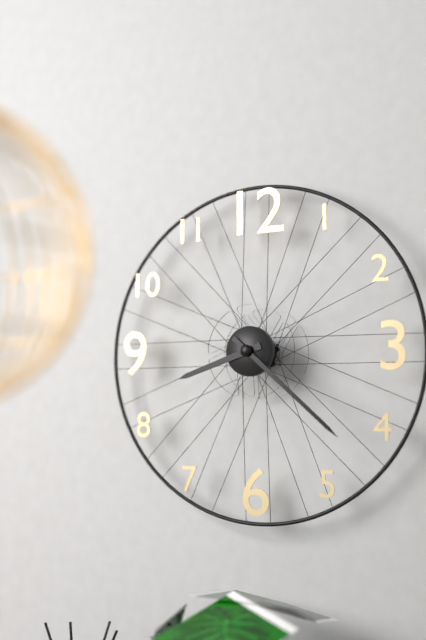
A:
8,22
